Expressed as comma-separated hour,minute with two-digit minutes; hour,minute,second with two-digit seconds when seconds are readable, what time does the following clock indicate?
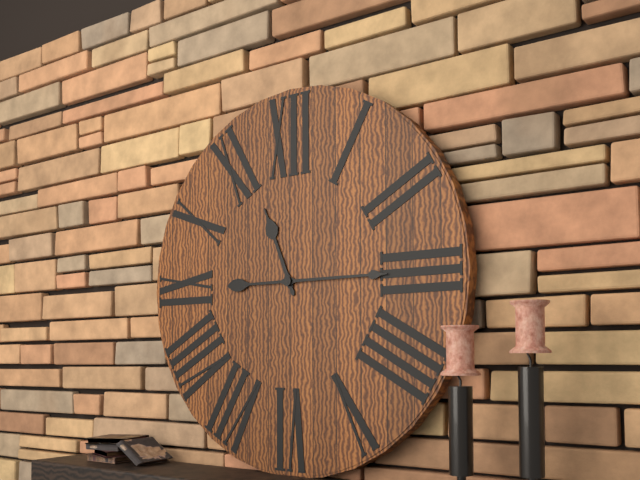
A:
11,15
